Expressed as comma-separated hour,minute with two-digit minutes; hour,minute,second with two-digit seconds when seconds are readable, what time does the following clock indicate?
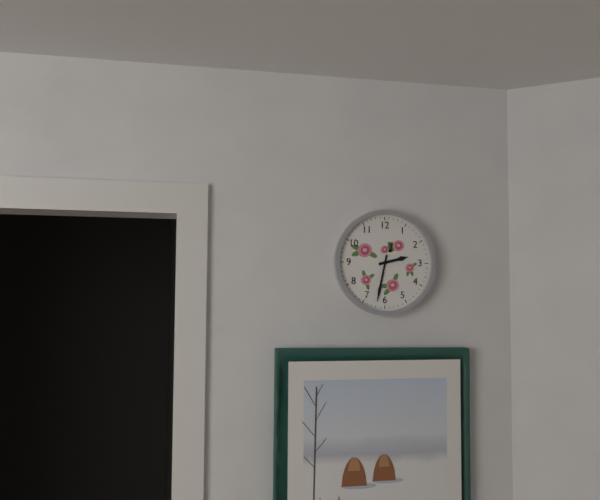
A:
2,32
